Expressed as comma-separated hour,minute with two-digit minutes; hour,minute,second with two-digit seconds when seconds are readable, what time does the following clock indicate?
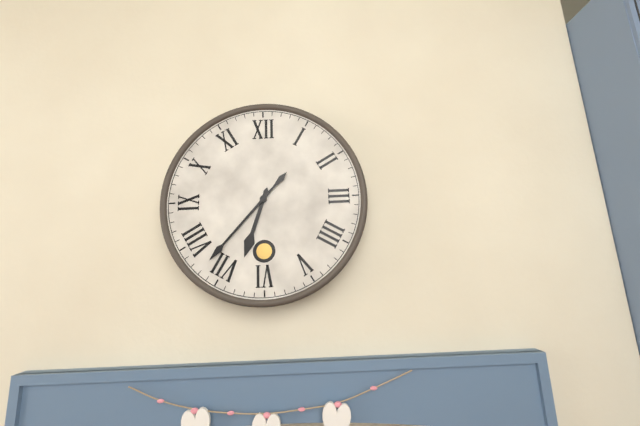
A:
6,37
